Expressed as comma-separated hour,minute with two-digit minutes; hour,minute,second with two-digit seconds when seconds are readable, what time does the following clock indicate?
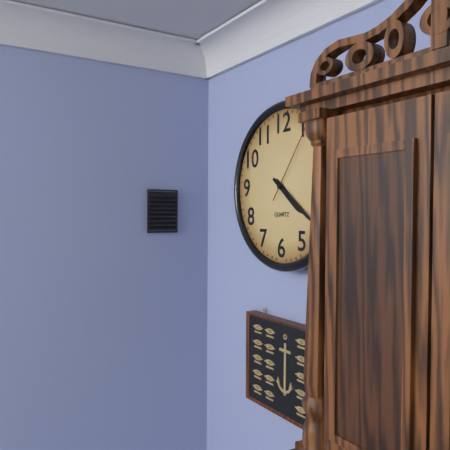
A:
4,21,06
